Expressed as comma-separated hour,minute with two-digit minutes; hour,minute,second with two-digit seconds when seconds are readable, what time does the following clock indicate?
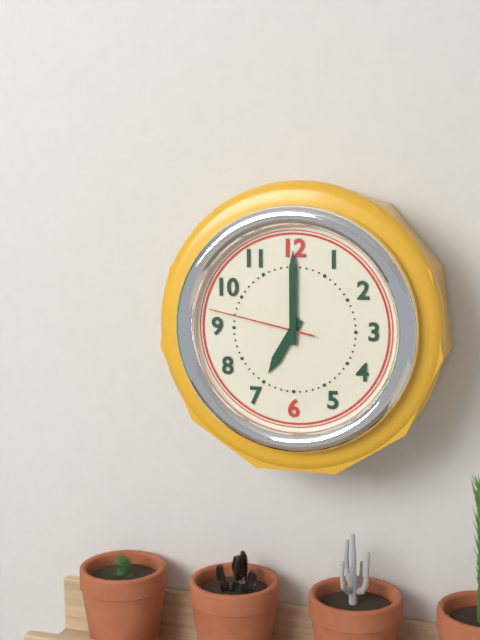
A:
7,00,47
